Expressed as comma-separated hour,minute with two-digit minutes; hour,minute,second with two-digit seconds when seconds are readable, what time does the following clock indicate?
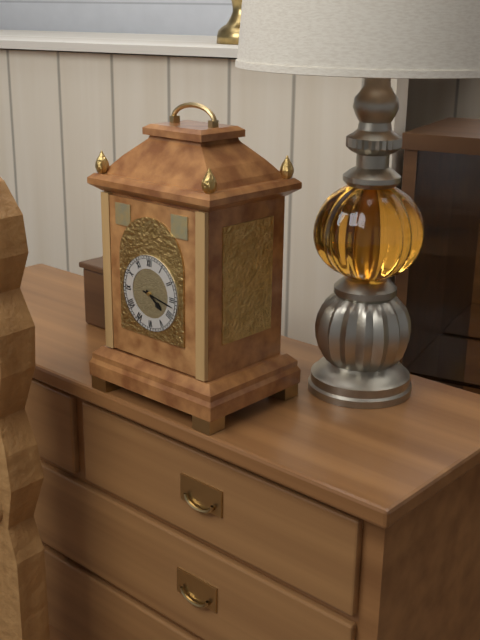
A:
4,17
